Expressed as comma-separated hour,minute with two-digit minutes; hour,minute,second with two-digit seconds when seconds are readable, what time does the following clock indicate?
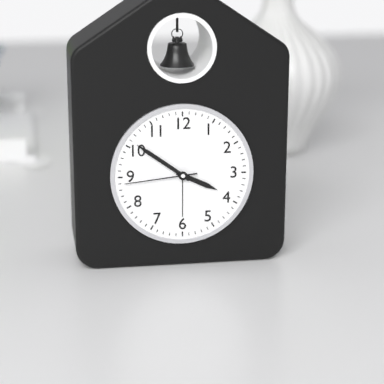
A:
3,51,44
